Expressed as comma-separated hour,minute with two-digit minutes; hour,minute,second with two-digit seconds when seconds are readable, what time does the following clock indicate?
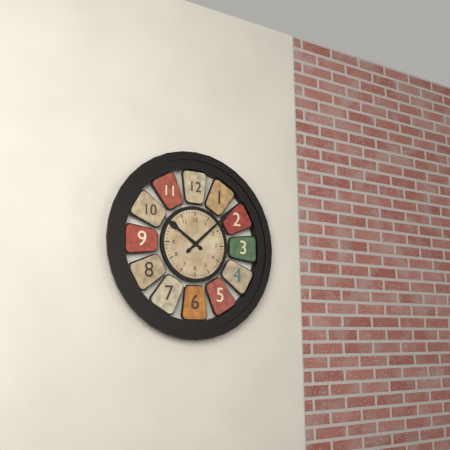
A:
10,08
